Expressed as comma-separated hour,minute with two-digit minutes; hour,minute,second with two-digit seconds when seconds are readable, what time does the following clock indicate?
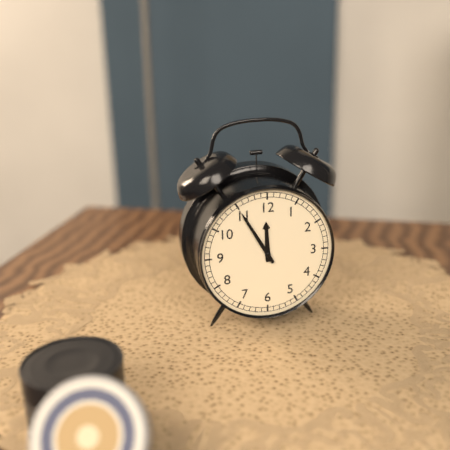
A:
11,55
